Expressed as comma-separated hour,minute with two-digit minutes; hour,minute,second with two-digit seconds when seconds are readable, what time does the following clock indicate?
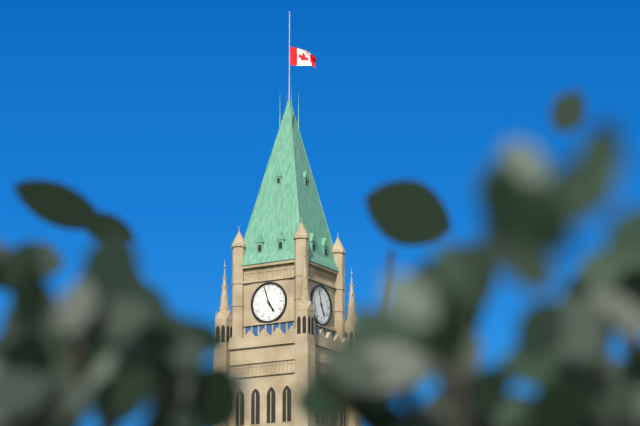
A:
4,57
